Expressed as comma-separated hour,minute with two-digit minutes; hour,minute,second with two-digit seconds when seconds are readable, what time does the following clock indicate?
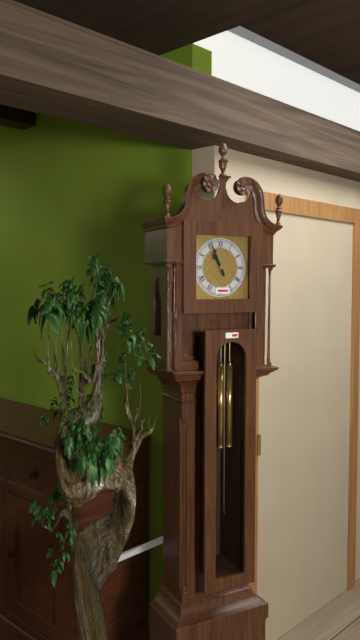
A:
10,56
